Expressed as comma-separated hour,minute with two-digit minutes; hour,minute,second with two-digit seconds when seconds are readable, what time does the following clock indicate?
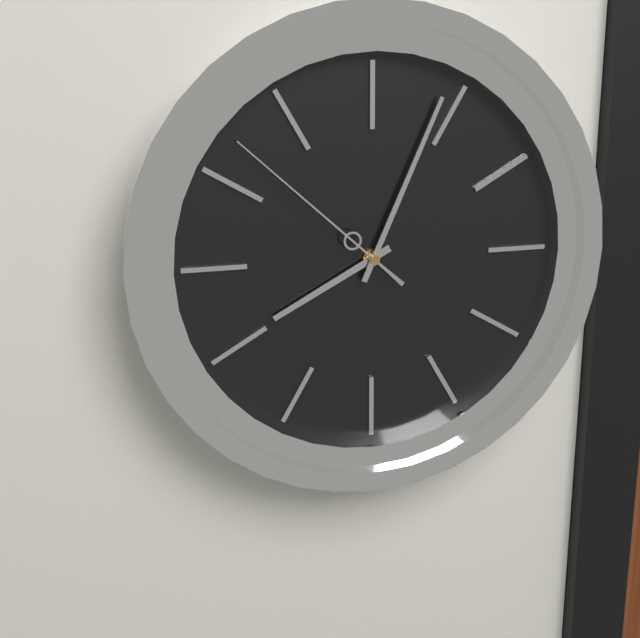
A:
8,04,52
